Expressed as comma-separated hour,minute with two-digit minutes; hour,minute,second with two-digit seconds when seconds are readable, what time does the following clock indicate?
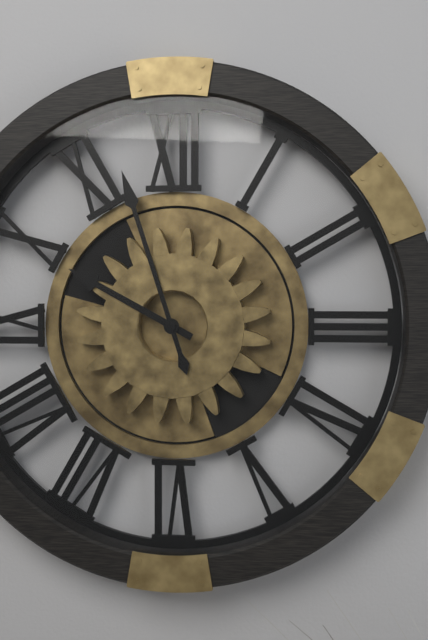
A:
9,57
